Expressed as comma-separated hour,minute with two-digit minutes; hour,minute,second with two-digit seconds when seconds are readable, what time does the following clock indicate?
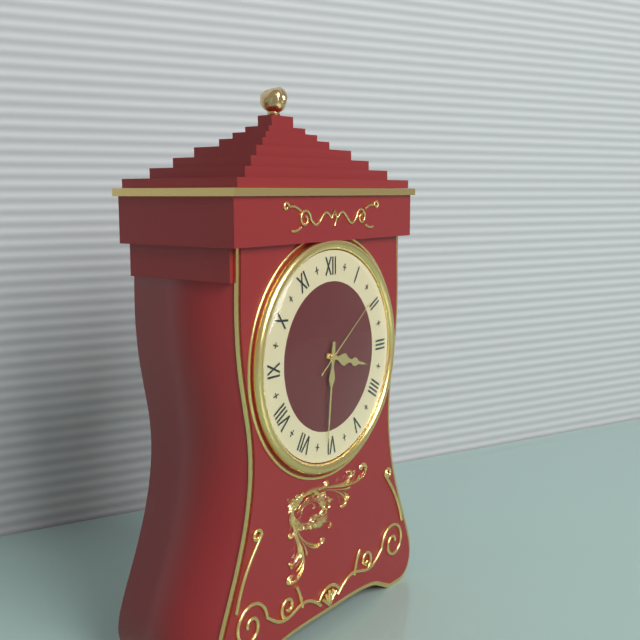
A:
3,31,09
